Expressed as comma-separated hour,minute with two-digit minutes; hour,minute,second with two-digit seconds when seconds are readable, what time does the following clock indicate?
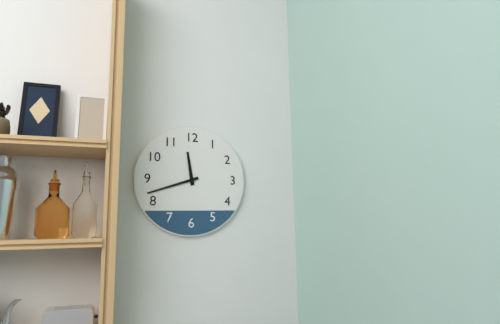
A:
11,42
